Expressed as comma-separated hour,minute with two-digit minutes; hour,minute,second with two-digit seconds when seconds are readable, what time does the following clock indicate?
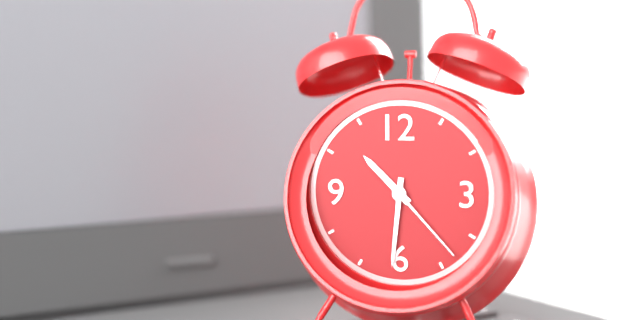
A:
10,31,23
